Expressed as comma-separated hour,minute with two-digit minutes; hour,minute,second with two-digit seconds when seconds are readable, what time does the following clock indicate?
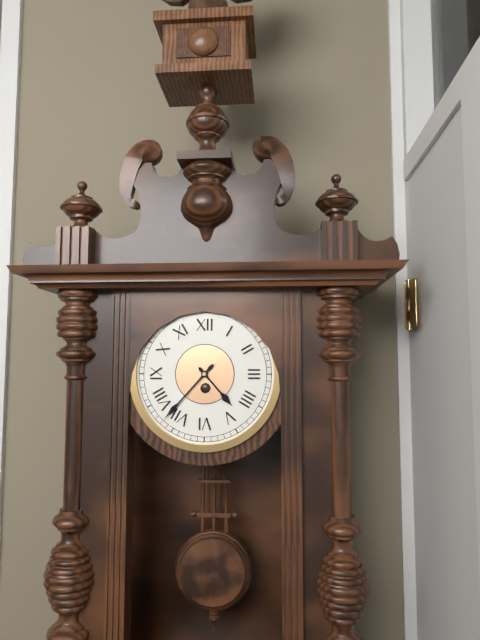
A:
4,37
